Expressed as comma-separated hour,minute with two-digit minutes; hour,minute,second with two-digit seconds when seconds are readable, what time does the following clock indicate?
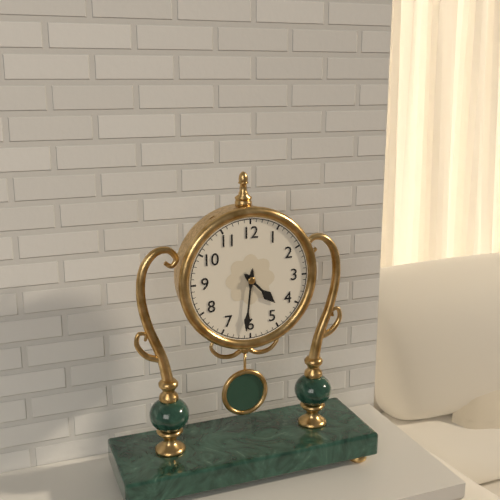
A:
4,31
